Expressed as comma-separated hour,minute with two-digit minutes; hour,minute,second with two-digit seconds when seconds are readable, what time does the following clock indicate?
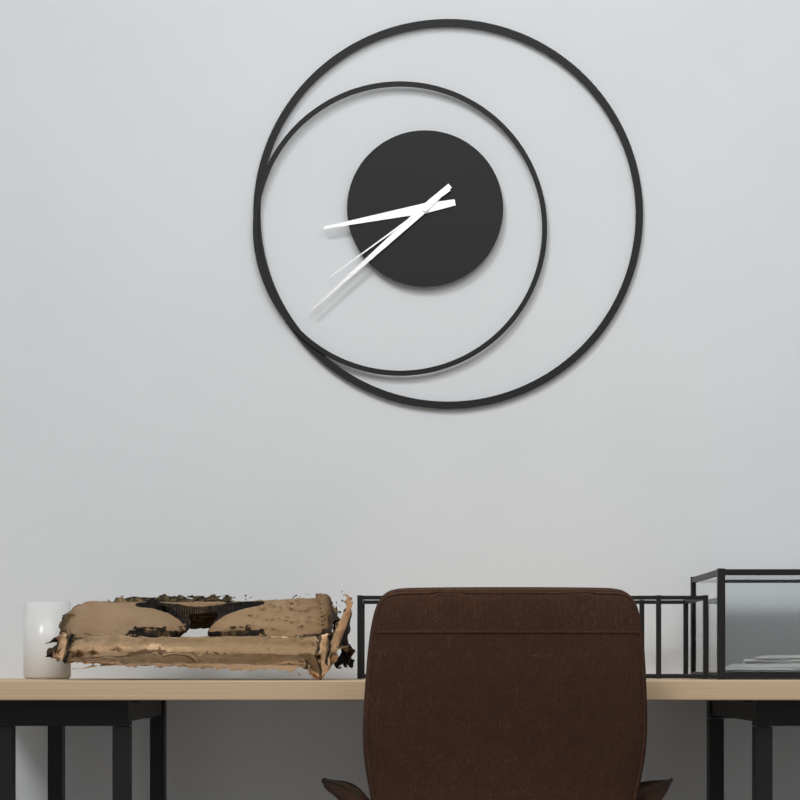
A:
8,38,39
